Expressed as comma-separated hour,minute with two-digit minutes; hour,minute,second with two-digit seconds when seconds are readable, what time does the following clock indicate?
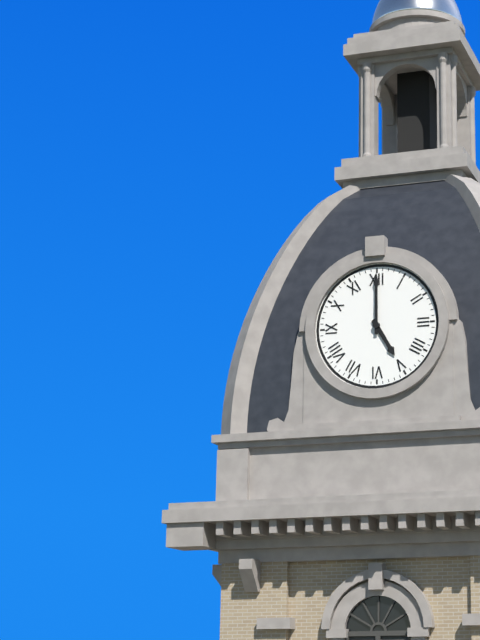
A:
5,00
